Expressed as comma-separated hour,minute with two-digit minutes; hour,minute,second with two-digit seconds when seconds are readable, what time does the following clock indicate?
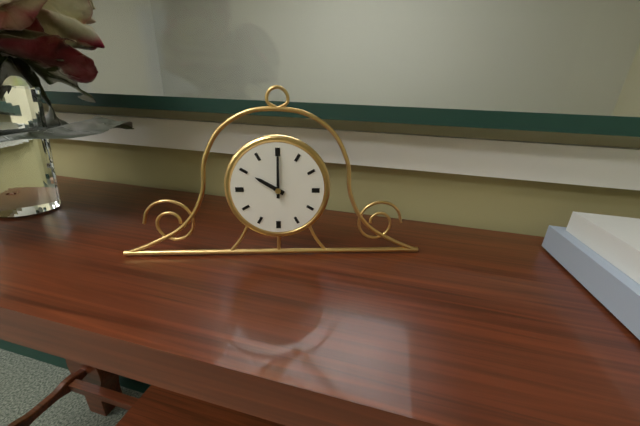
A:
10,00
